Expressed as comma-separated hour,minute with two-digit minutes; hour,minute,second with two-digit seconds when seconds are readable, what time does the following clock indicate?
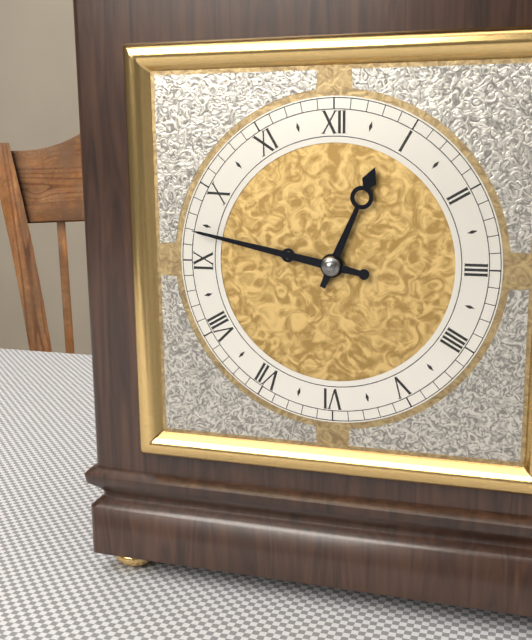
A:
12,47
